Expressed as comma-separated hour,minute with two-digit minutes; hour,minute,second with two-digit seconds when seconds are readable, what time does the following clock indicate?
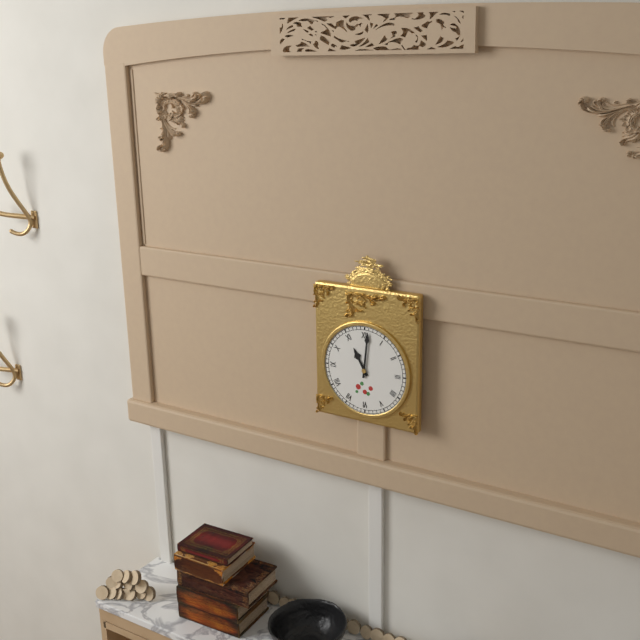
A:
11,01
